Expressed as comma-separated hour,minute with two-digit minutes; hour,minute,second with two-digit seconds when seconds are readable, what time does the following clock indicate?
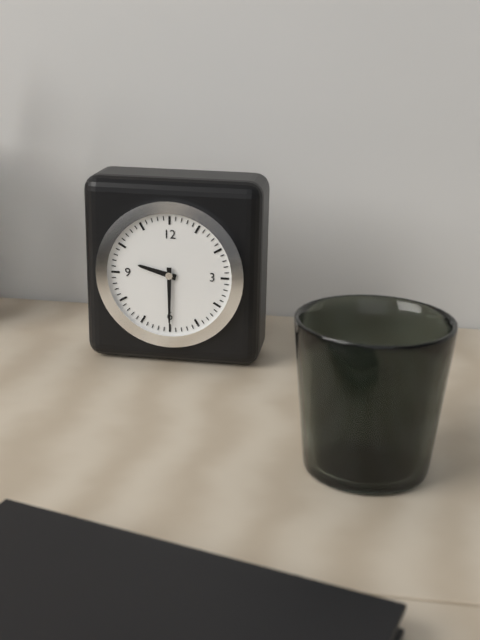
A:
9,30
